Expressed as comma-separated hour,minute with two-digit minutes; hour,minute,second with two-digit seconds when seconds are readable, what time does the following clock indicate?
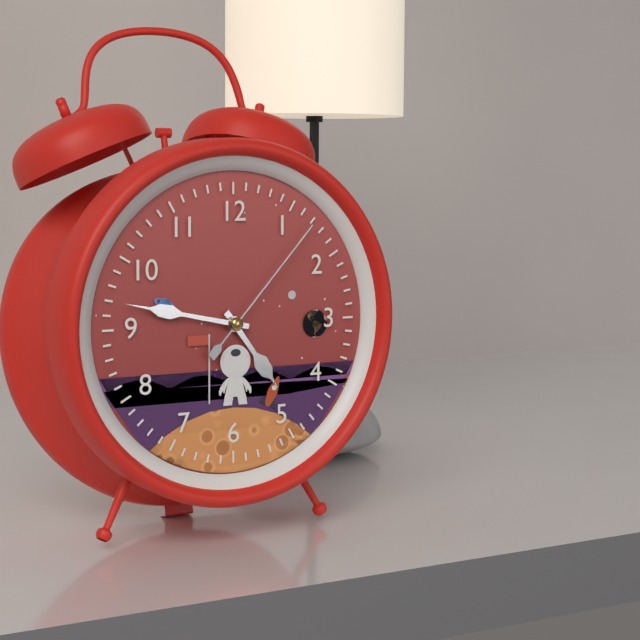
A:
4,47,07
